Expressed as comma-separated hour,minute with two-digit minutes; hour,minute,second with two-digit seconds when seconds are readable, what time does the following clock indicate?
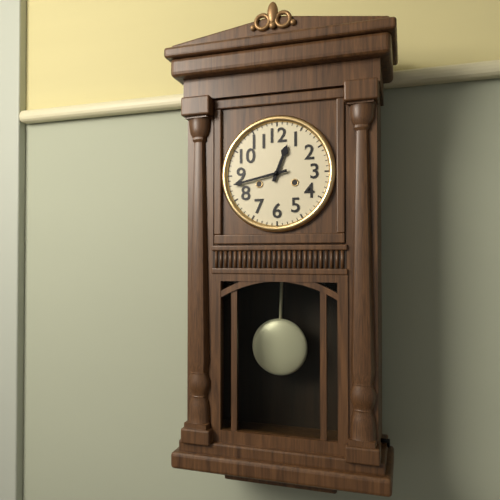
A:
12,43
